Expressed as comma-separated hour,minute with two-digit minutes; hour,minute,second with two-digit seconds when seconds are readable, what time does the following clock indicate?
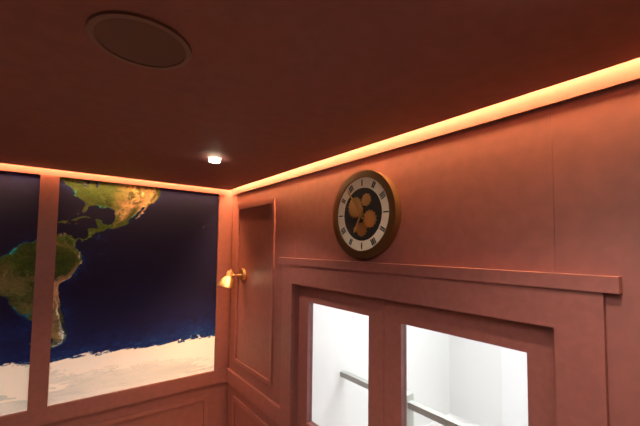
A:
6,54
